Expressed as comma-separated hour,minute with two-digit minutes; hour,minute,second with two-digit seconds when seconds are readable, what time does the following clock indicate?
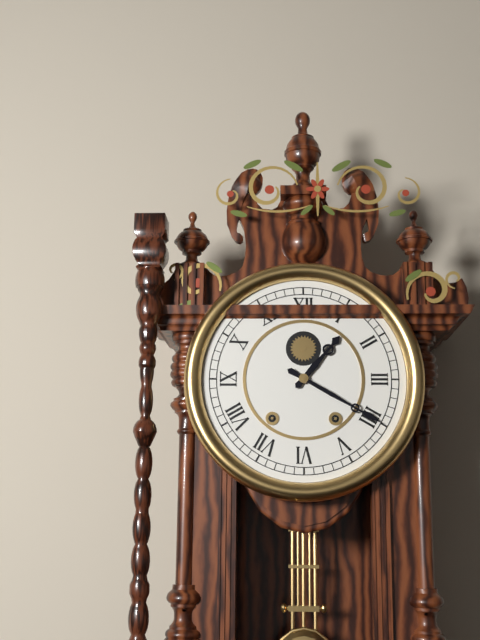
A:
1,20
